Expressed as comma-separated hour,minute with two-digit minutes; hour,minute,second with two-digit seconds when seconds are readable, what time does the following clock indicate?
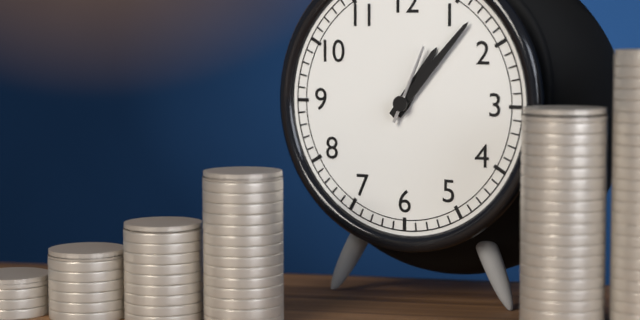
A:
1,07,04
